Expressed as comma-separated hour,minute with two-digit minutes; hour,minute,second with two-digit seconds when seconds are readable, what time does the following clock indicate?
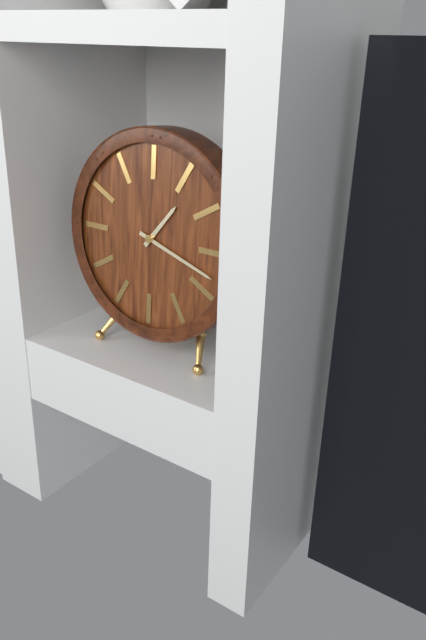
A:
1,18
